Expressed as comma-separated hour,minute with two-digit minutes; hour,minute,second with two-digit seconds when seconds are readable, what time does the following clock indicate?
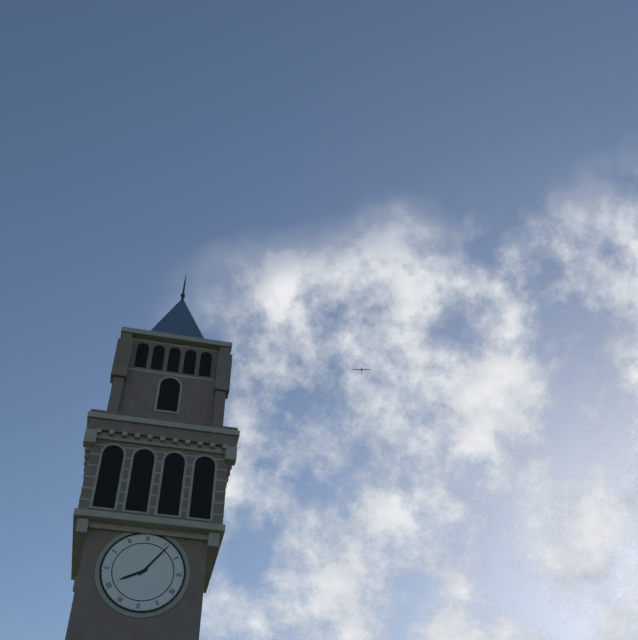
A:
8,06
